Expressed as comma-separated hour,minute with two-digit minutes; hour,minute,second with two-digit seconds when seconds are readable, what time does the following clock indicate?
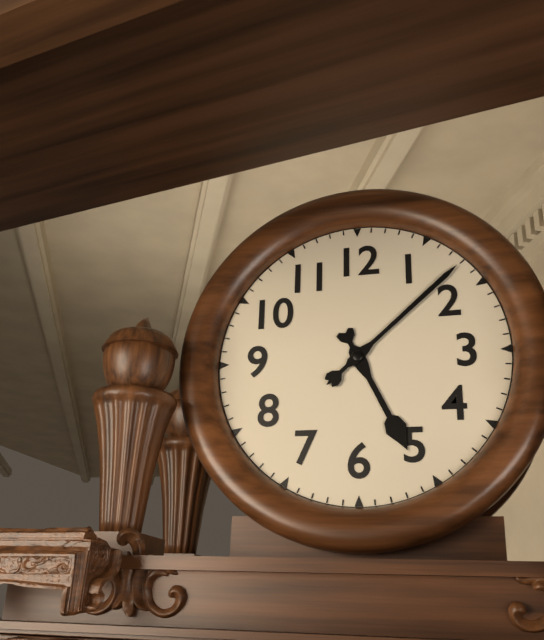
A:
5,08
